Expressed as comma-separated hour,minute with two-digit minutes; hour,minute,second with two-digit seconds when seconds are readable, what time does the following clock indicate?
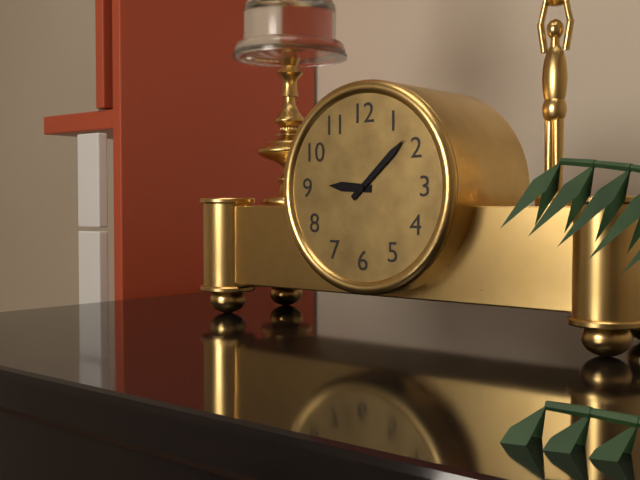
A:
9,08
